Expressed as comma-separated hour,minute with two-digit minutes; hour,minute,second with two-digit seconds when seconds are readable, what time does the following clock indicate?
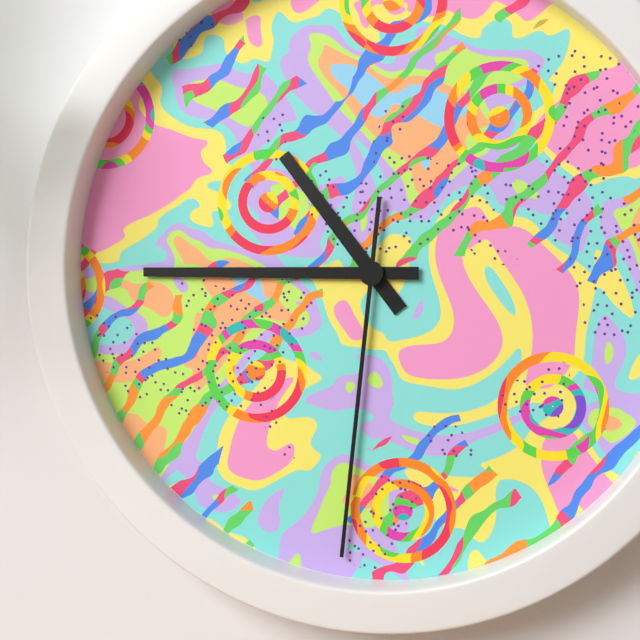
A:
10,45,31
